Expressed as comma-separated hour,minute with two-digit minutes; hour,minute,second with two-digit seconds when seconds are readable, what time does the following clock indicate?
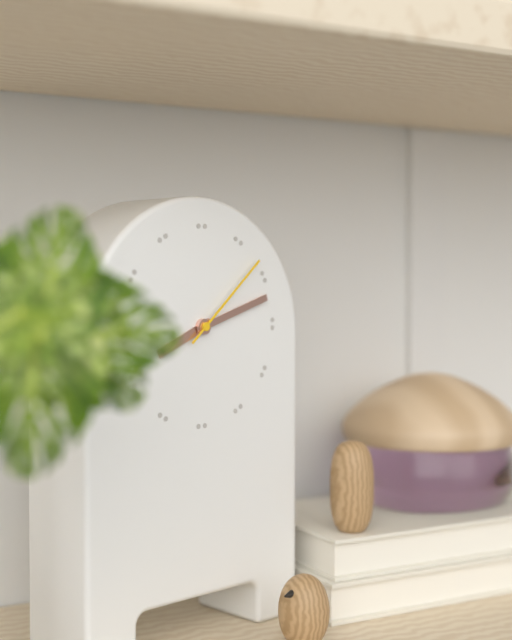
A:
8,12,08
